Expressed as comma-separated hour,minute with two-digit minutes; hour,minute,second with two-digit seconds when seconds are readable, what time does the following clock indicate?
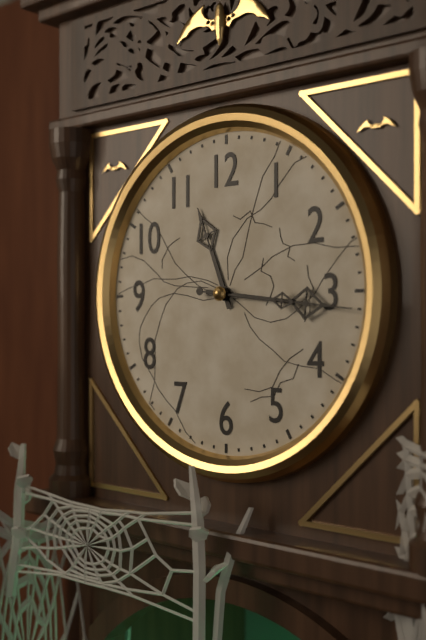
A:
11,16,16
